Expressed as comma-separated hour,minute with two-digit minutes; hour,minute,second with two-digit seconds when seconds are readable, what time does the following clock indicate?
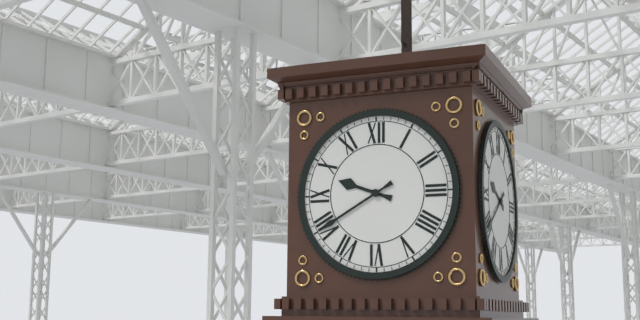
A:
9,40
